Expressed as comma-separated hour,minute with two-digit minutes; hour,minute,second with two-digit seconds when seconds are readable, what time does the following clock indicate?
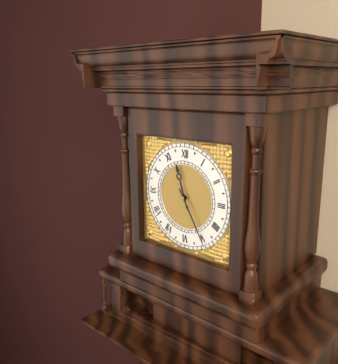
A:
11,25
